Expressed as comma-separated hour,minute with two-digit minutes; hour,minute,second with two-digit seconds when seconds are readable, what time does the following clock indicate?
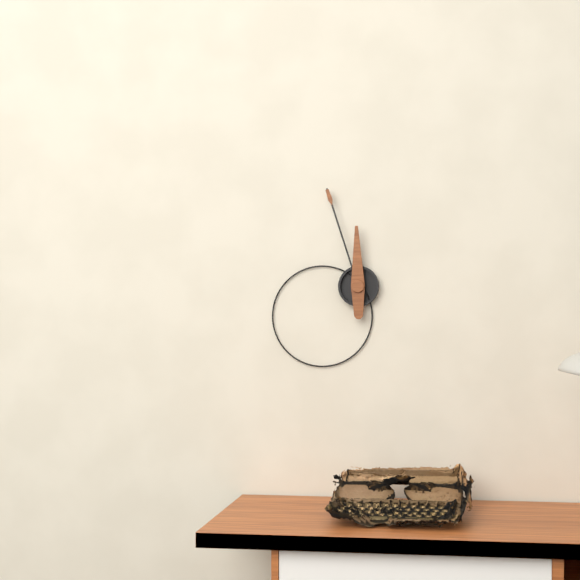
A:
11,57
